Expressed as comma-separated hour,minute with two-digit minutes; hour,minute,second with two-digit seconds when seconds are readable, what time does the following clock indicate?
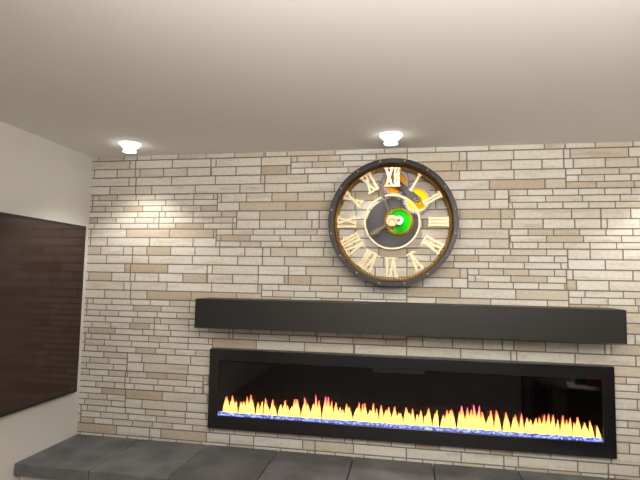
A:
7,57
